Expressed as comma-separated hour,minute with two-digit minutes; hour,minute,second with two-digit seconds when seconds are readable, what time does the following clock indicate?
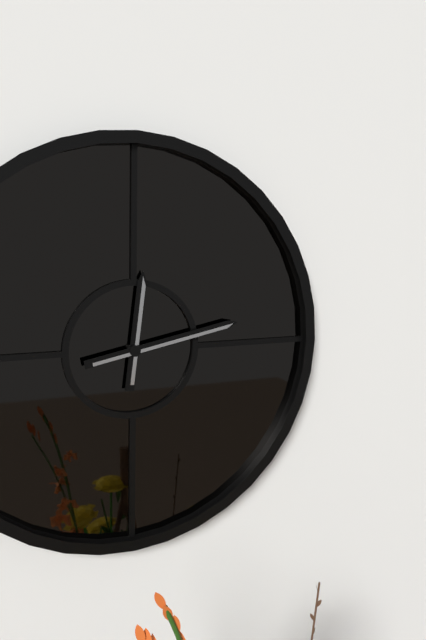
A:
12,13
